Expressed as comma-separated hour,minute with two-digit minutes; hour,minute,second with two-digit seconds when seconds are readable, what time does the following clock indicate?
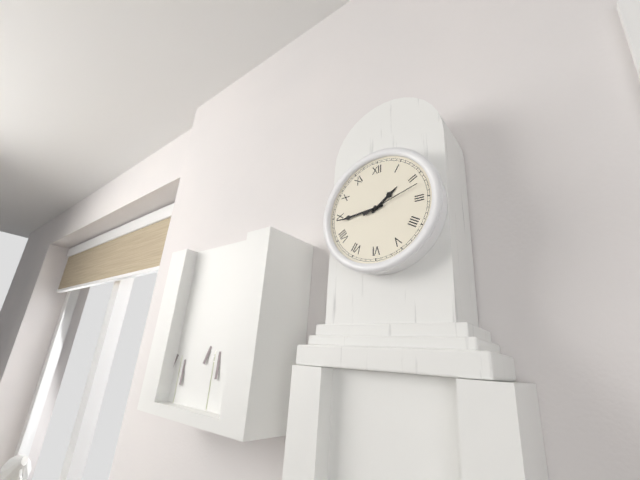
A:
1,44,12
